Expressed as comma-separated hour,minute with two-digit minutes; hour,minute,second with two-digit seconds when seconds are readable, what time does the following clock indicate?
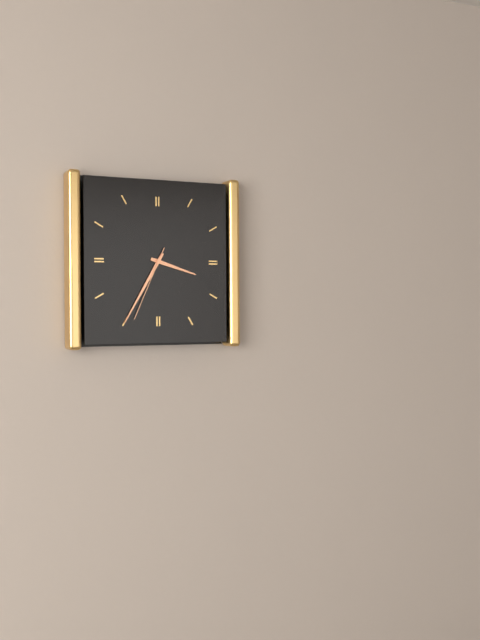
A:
3,35,34
